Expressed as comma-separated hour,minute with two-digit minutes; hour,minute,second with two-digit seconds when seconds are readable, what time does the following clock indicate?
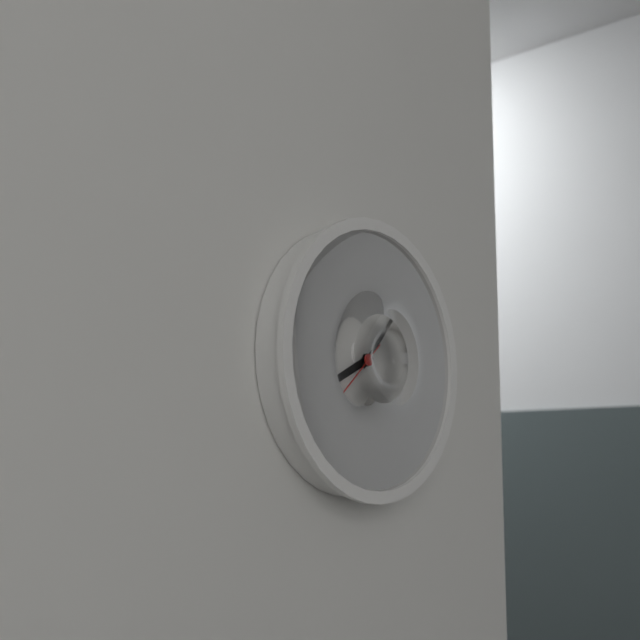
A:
8,07,38
